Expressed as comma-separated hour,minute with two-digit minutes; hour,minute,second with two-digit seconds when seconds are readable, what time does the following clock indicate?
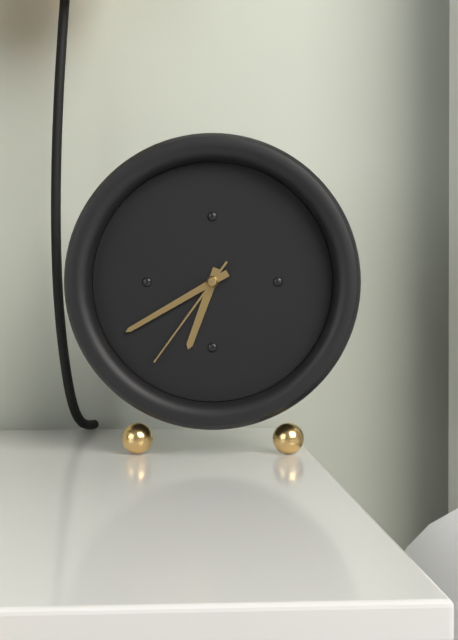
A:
6,40,36
